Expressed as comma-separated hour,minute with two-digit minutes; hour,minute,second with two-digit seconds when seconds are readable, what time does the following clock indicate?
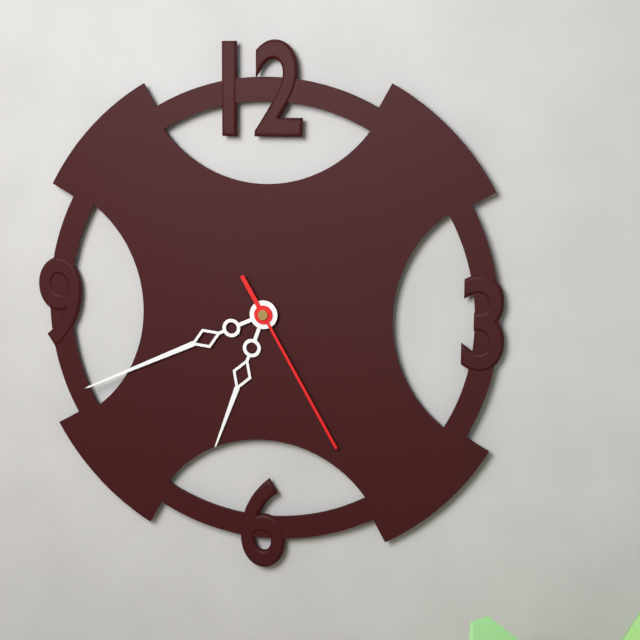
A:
6,41,25
